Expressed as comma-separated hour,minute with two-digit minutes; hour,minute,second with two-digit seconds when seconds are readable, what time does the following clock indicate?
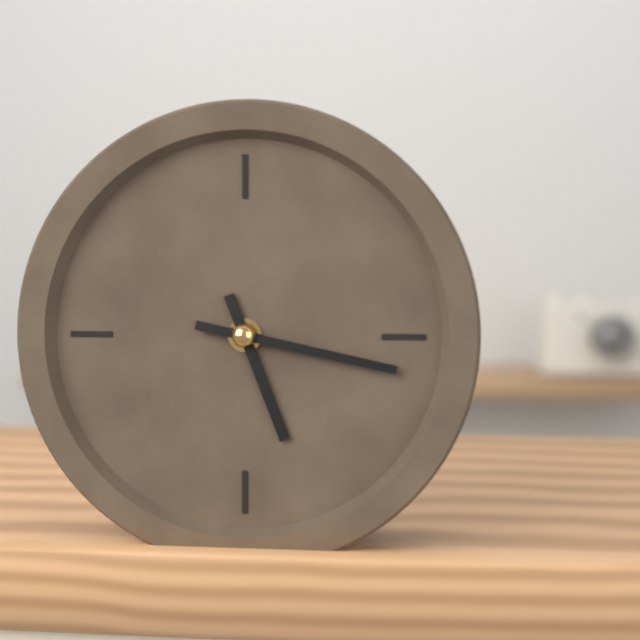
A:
5,17
